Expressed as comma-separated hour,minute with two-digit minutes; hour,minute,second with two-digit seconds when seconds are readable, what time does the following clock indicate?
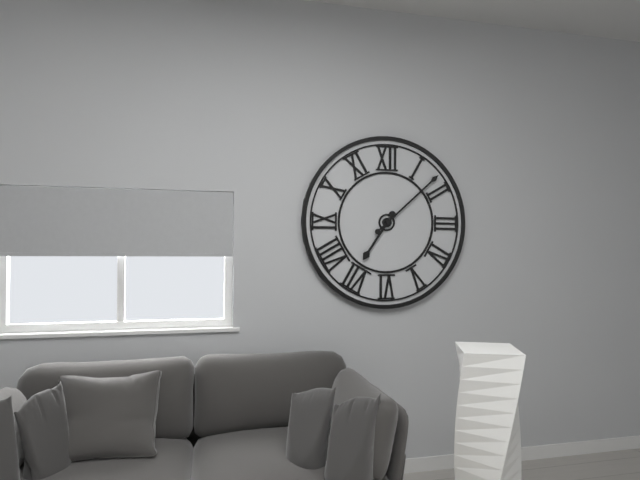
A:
7,08
